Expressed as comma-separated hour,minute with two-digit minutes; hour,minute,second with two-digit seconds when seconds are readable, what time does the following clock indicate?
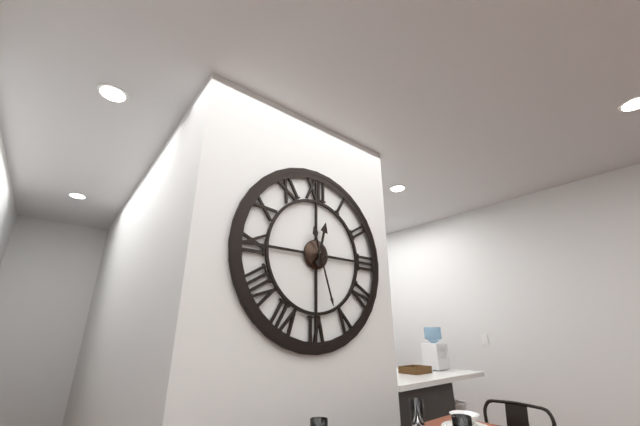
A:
12,27
